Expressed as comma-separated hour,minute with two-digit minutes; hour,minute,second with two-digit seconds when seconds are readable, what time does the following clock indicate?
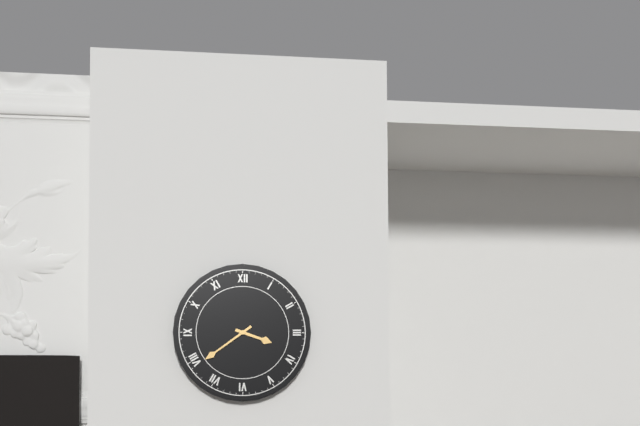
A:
3,39
